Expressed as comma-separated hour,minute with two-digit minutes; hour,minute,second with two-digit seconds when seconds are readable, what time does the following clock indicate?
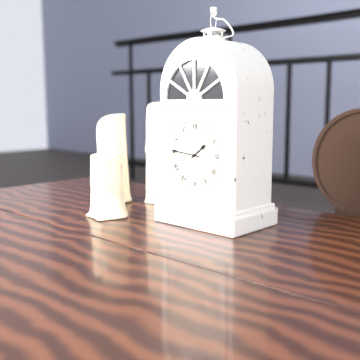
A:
1,46
